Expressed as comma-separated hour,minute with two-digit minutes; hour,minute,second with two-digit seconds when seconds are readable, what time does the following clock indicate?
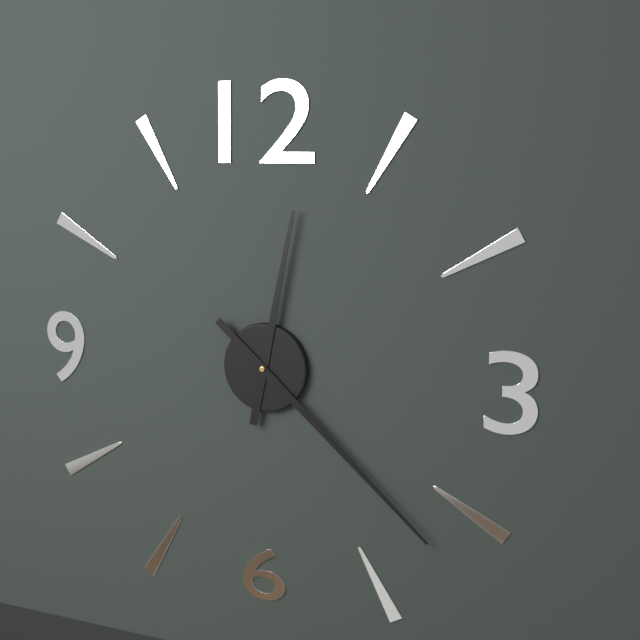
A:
12,22
